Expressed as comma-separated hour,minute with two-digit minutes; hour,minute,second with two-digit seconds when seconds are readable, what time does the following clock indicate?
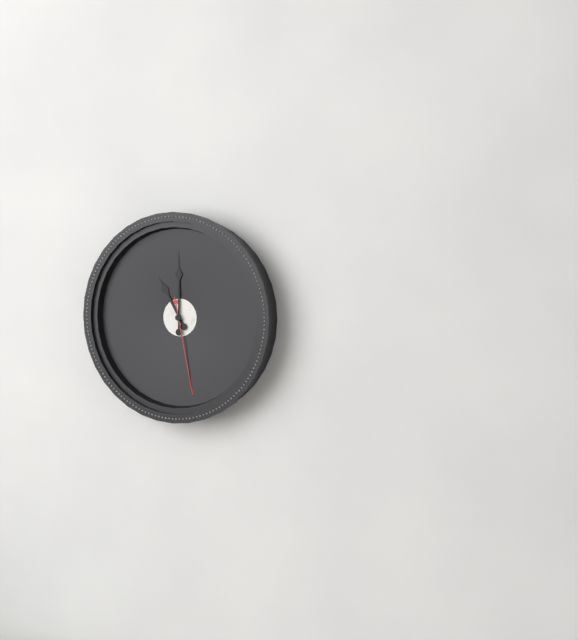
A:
11,00,28
